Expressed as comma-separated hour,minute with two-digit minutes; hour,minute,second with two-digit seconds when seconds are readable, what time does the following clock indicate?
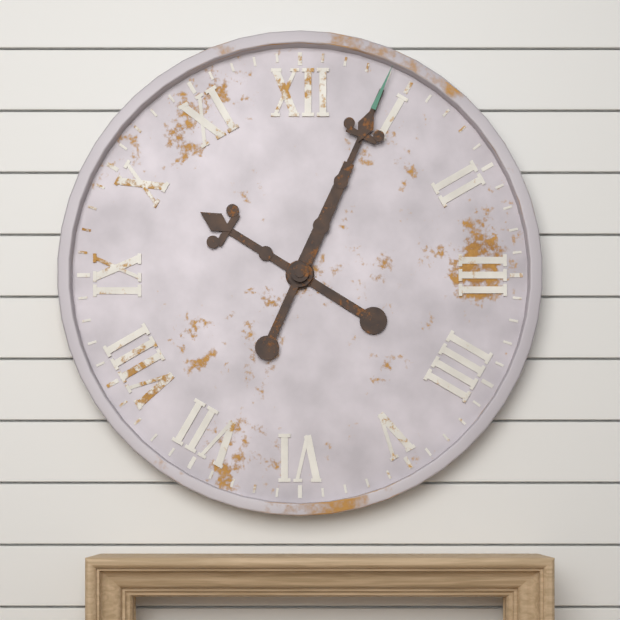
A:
10,04
